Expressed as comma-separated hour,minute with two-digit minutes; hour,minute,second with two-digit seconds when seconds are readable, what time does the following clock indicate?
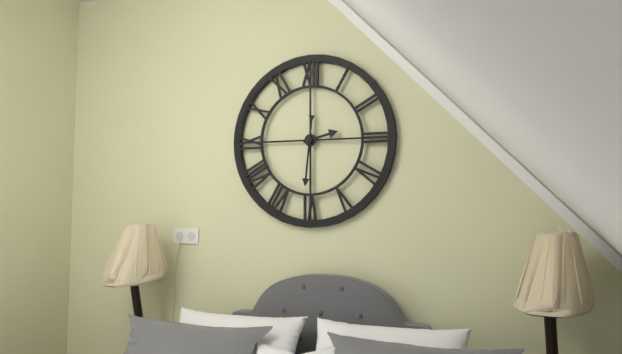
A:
2,31
